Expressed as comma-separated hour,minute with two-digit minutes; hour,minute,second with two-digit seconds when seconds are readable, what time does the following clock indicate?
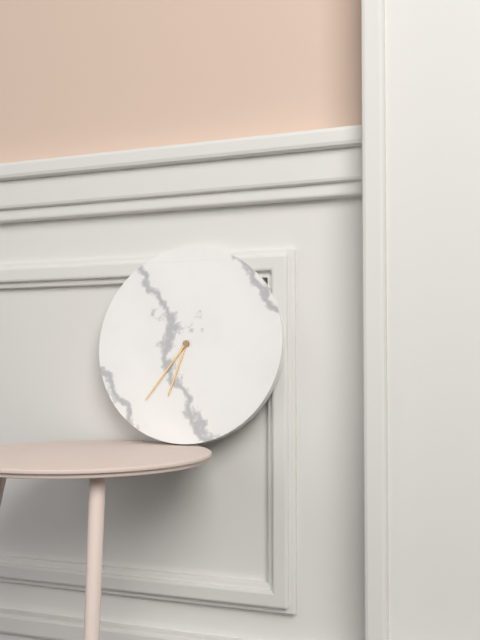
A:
6,36
